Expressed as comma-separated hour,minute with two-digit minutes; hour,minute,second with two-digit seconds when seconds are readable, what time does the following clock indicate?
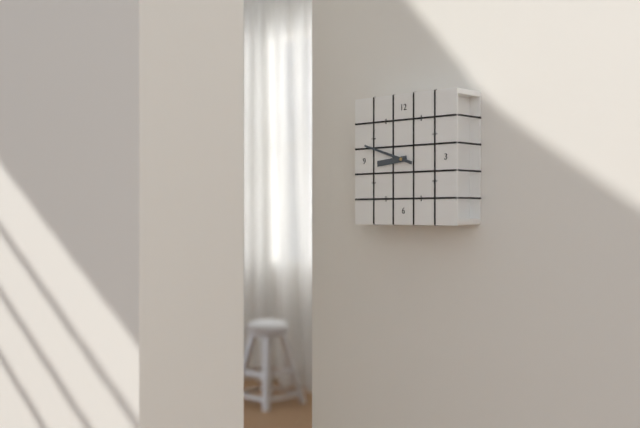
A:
8,48
